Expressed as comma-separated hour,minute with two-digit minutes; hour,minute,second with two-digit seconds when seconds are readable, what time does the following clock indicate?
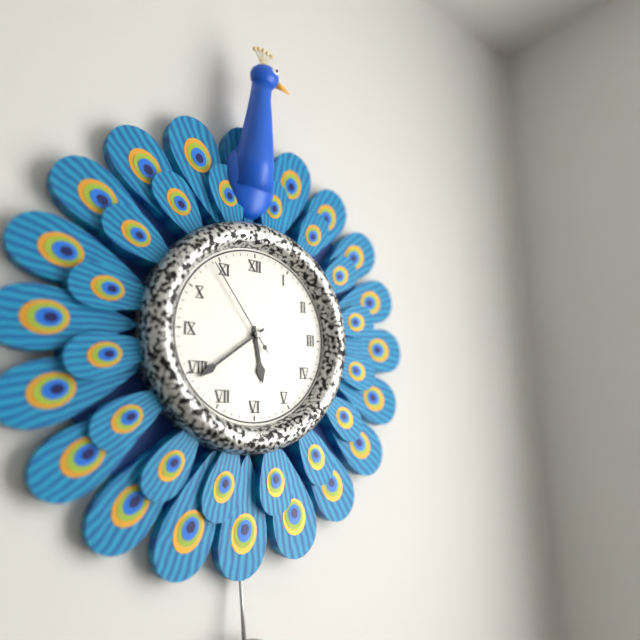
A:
5,39,54
